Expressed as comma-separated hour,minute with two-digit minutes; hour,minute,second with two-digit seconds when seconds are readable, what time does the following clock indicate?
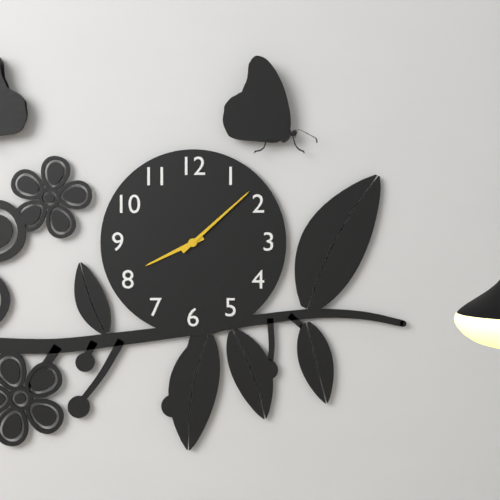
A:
8,08
